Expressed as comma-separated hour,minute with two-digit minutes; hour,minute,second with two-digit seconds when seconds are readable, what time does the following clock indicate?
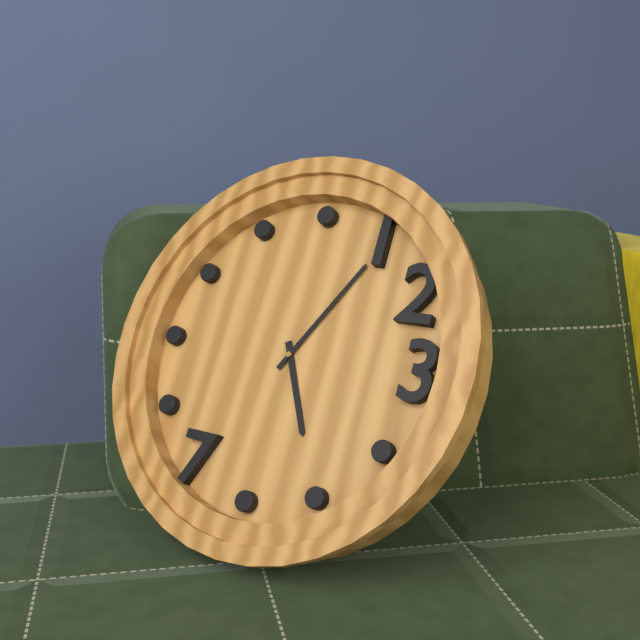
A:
5,05
